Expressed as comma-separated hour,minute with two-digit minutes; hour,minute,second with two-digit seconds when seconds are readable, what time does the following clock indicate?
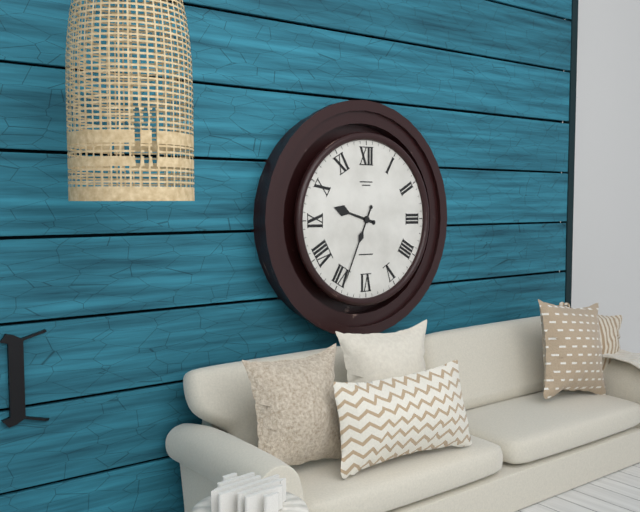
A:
9,34
